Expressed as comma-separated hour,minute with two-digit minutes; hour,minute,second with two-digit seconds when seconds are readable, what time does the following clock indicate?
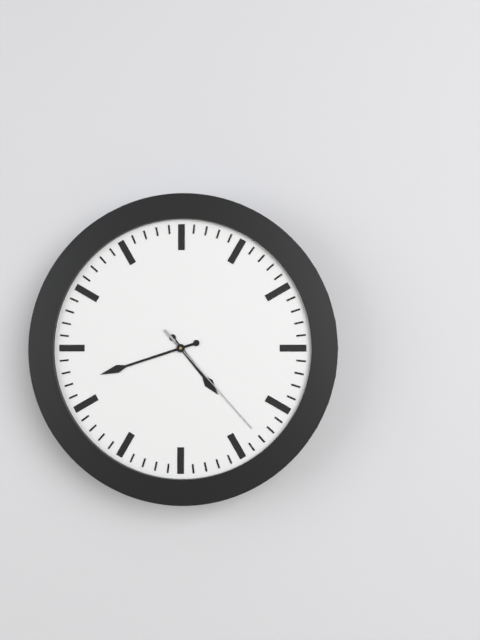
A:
4,42,23
